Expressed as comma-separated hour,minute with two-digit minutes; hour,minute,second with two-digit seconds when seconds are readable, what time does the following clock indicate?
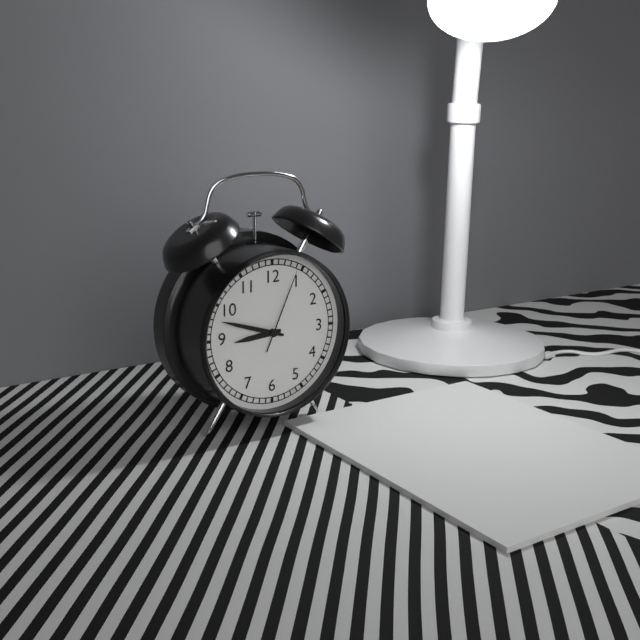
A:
8,48,04
